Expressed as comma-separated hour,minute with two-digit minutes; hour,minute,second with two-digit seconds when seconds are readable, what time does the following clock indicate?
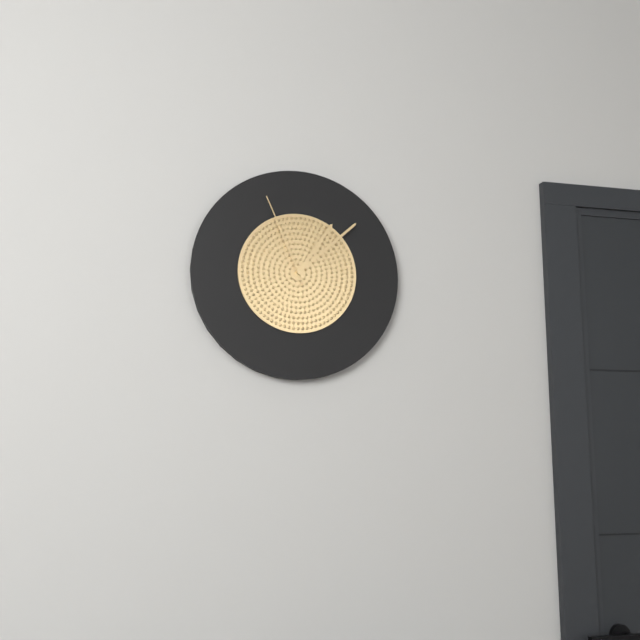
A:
1,08,56
